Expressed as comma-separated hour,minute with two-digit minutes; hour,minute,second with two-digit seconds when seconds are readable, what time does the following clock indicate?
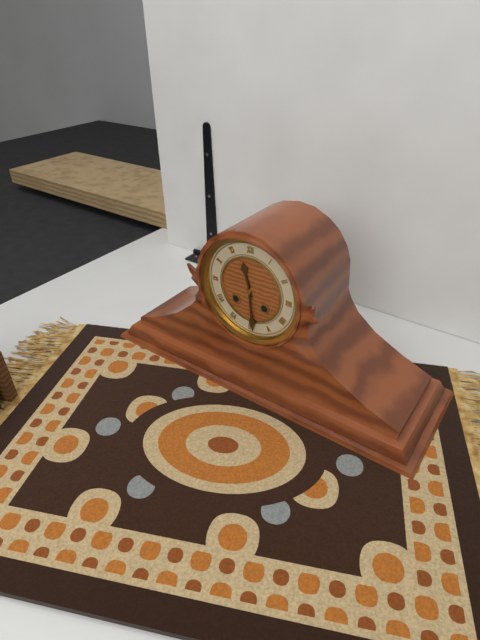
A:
11,29
